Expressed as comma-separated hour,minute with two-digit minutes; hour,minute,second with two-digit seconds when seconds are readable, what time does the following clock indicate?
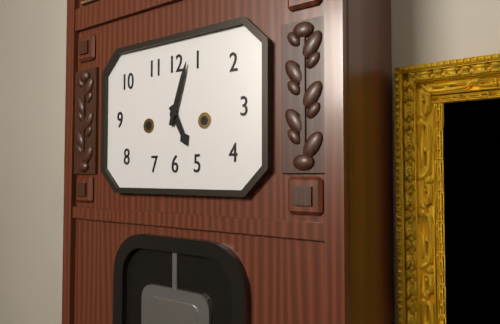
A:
5,03
